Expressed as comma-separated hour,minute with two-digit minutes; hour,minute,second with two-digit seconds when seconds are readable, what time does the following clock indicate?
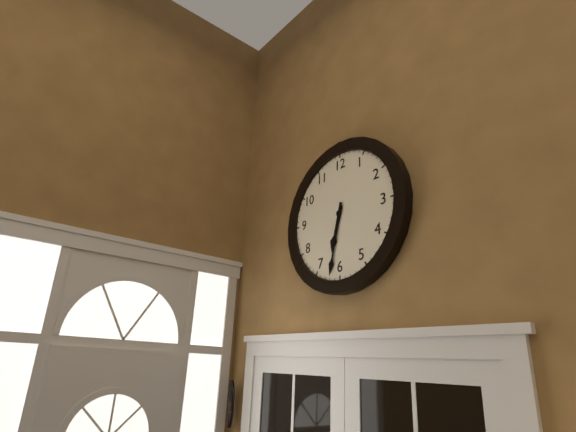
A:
6,32
